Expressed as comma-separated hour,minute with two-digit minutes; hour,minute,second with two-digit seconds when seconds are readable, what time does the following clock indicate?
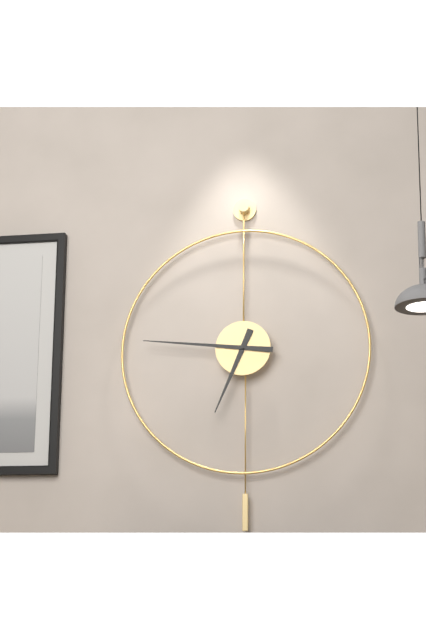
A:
6,46
